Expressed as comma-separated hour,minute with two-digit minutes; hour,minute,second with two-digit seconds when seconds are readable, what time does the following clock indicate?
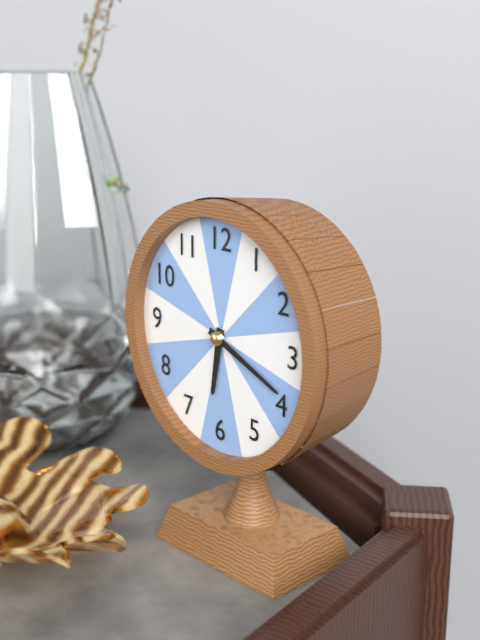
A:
6,19
